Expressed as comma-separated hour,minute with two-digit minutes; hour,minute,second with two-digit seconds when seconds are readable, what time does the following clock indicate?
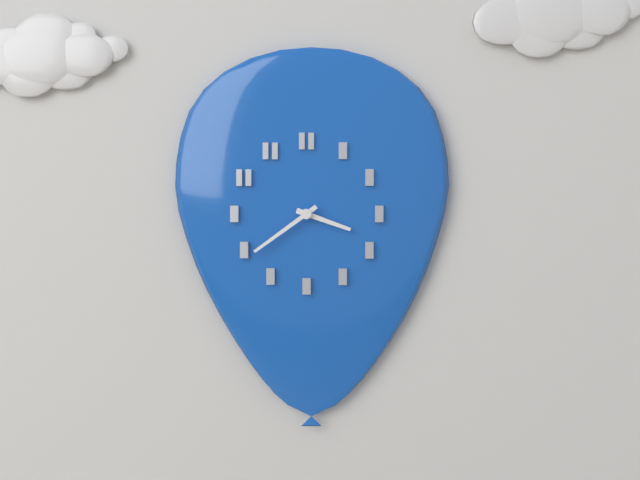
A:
3,39
